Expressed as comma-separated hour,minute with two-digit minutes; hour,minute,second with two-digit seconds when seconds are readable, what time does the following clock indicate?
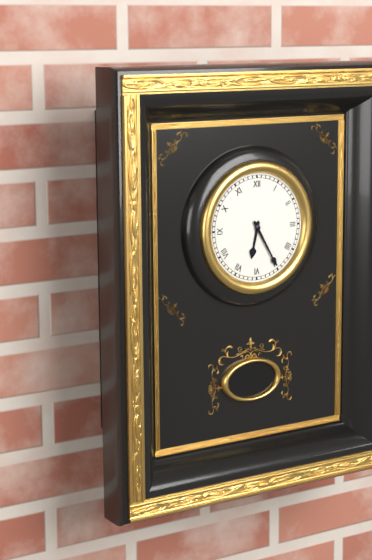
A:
6,25
